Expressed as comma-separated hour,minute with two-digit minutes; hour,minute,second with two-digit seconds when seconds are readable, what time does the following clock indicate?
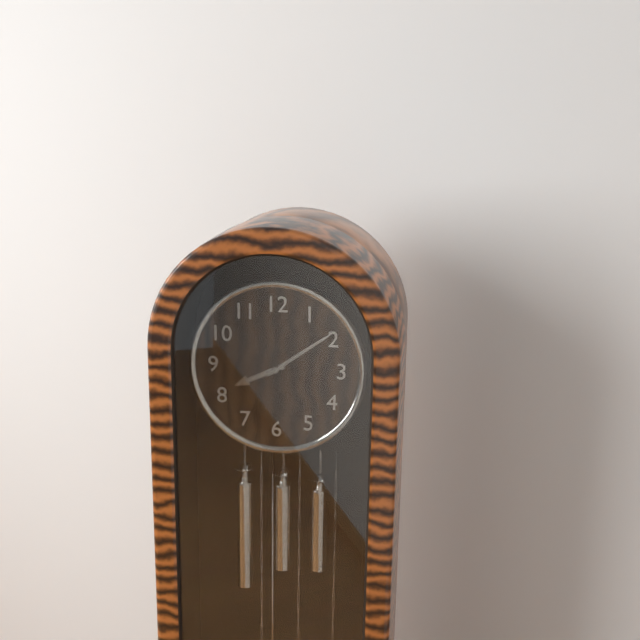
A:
8,09
